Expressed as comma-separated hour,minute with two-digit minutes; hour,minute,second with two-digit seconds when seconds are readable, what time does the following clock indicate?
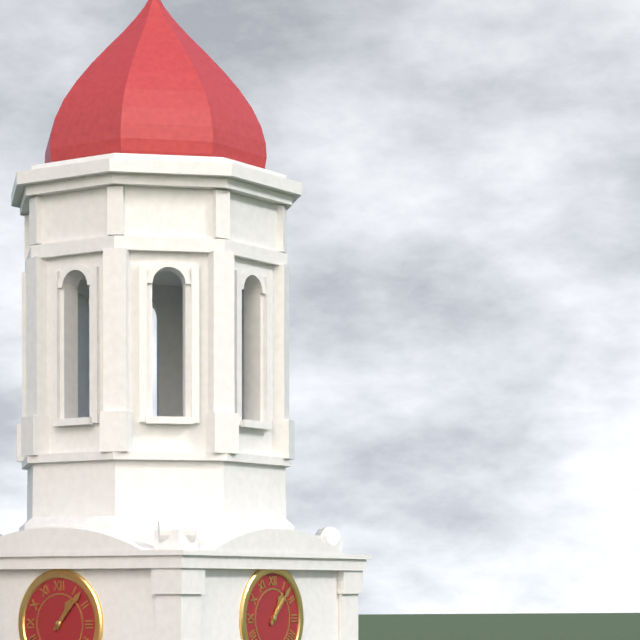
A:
1,07
